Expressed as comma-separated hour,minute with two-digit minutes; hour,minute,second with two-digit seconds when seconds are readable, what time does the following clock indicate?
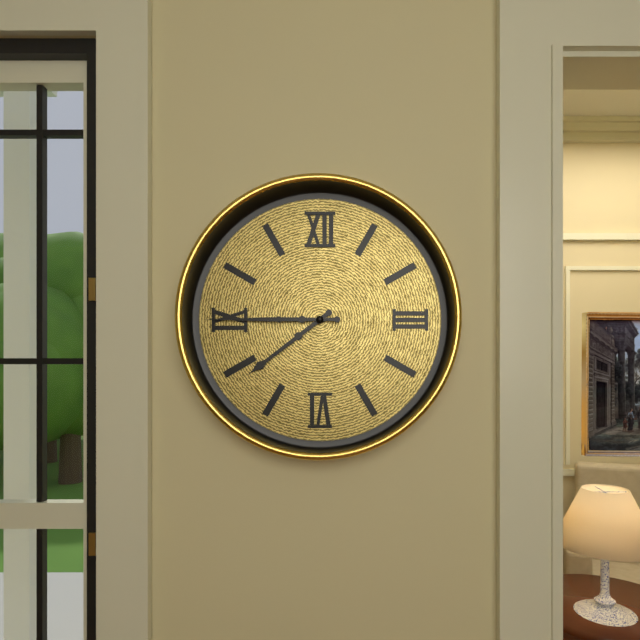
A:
7,45
